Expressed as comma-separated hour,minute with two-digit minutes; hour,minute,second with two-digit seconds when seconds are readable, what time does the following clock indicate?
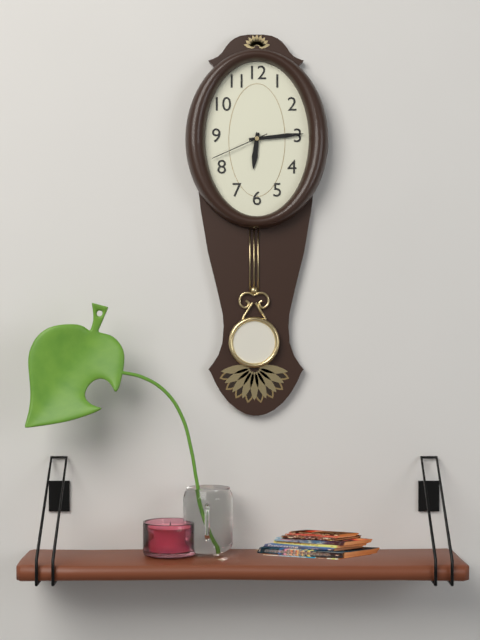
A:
6,14,41
